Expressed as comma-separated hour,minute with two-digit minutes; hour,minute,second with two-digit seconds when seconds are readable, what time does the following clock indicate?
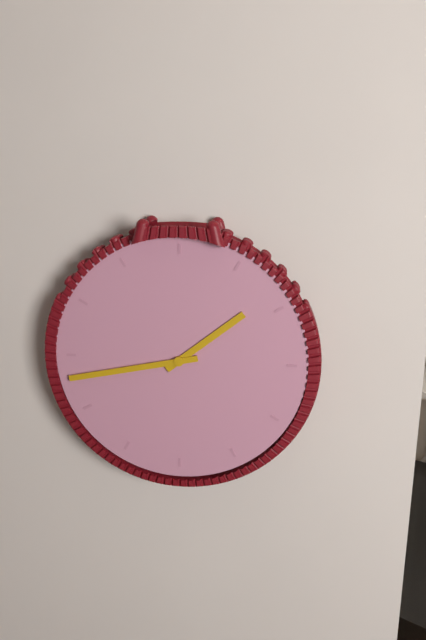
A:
1,43
